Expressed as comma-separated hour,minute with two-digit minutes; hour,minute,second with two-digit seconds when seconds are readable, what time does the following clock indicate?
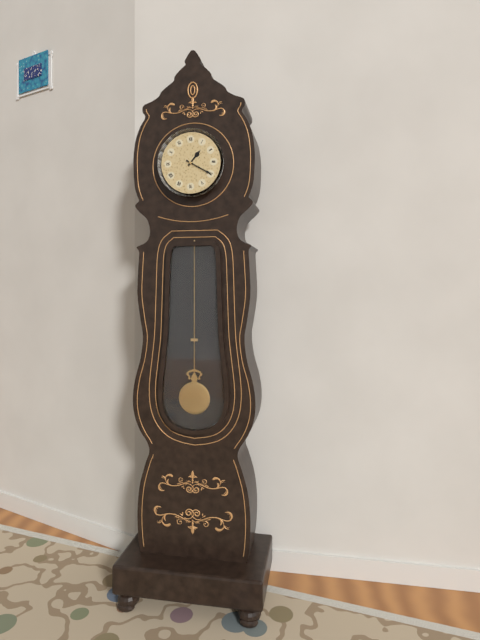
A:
1,20
